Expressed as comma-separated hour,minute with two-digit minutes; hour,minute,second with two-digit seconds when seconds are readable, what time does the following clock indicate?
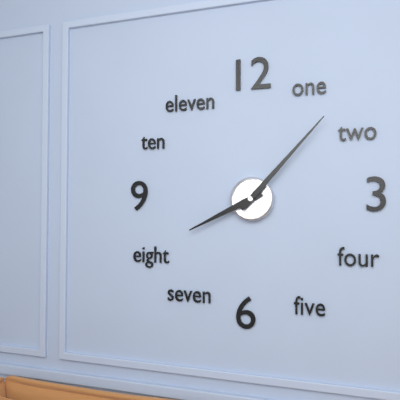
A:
8,07
